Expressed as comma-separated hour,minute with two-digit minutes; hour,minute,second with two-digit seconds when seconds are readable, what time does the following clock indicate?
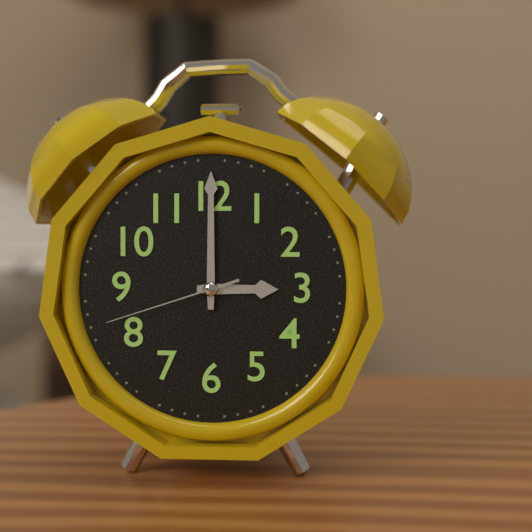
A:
3,00,42
